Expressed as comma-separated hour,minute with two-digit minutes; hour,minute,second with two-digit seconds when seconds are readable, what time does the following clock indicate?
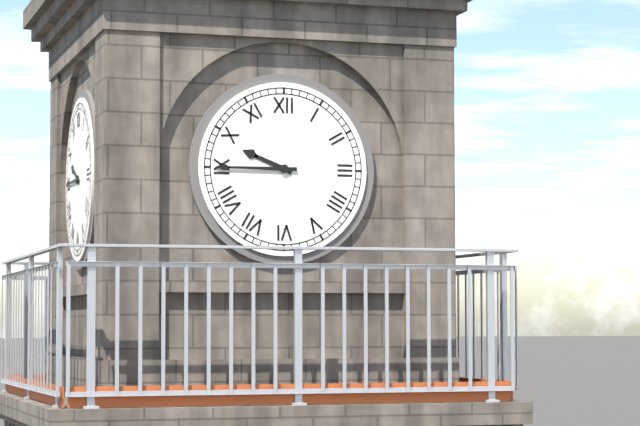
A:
9,45
